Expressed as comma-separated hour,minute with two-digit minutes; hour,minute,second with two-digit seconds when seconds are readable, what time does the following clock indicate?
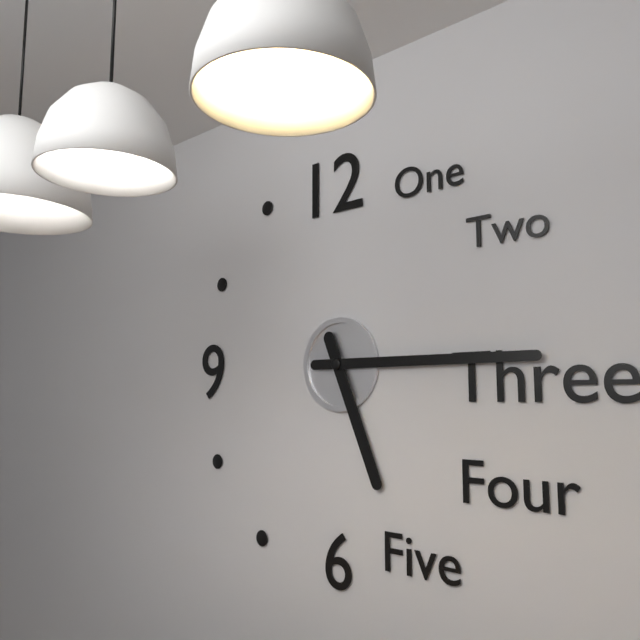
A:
5,15
